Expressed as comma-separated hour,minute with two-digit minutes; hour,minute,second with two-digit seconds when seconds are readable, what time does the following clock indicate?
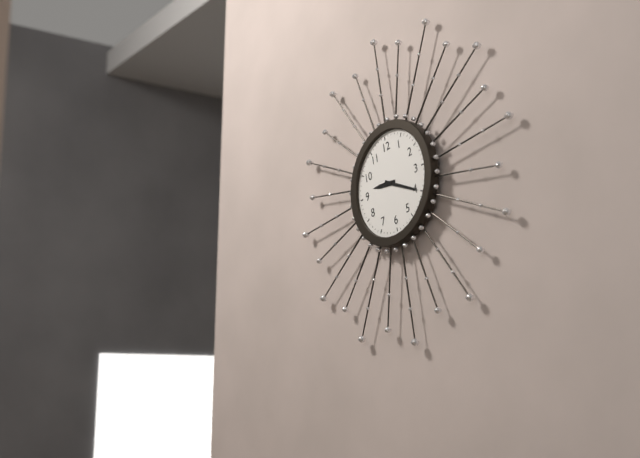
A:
9,20
